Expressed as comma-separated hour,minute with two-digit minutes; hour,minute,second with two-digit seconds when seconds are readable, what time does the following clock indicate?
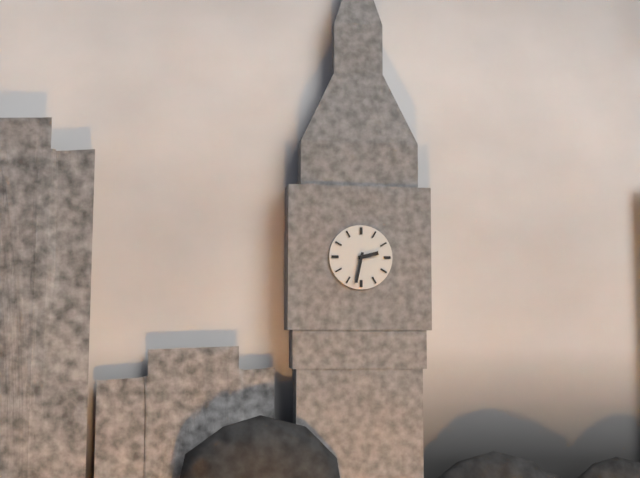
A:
2,32
